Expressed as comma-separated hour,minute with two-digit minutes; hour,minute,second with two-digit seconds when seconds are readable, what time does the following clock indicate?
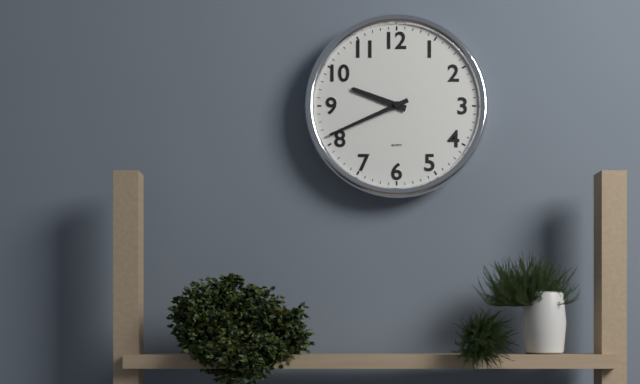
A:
9,41
